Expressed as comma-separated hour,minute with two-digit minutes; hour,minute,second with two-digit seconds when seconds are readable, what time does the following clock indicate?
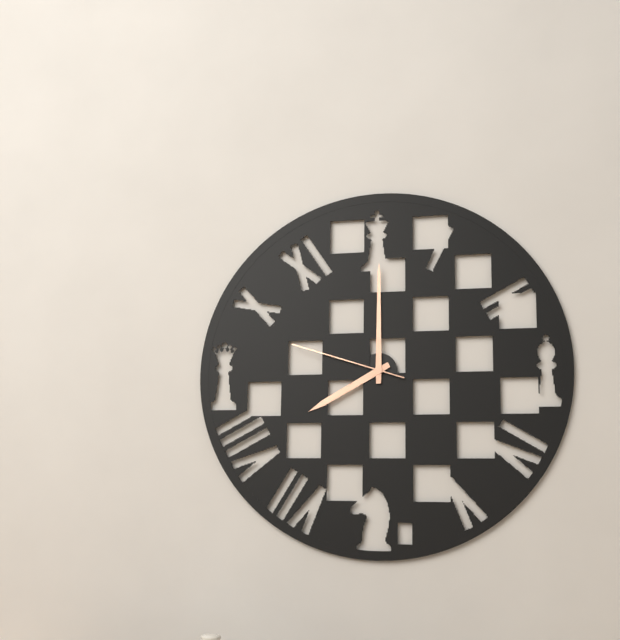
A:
8,00,48
